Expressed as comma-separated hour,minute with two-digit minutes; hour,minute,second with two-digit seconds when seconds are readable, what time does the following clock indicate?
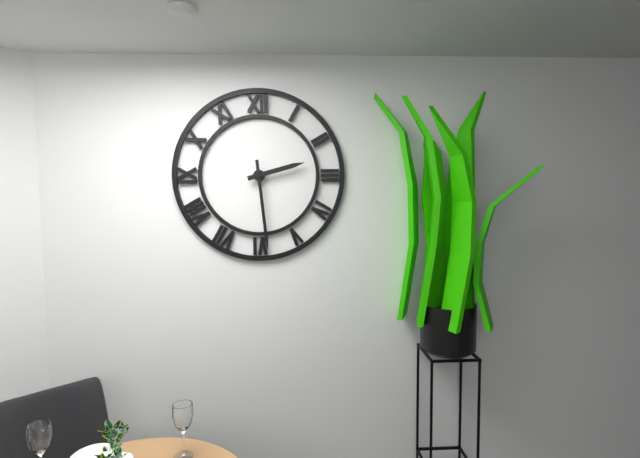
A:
2,29
